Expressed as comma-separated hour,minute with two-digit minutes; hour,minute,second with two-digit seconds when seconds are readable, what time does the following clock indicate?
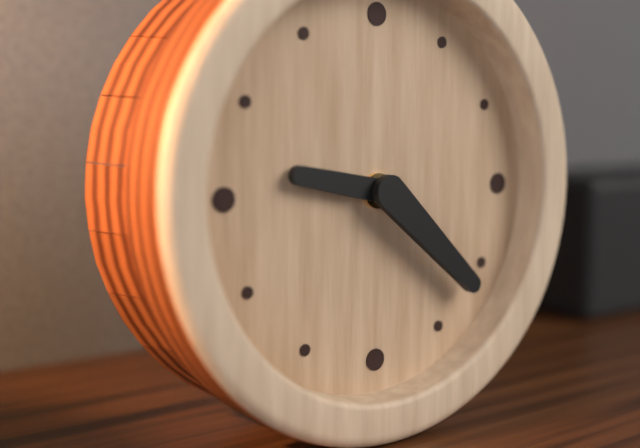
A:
9,22
